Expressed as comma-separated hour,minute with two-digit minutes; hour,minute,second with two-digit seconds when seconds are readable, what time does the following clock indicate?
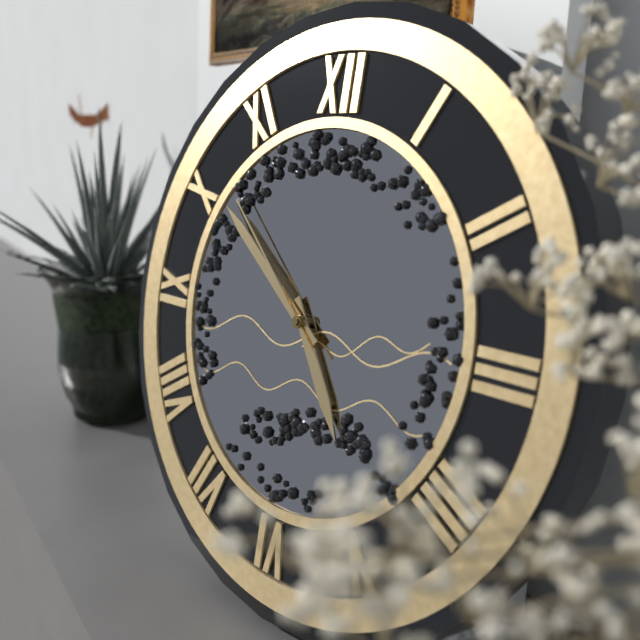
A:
4,51,52
